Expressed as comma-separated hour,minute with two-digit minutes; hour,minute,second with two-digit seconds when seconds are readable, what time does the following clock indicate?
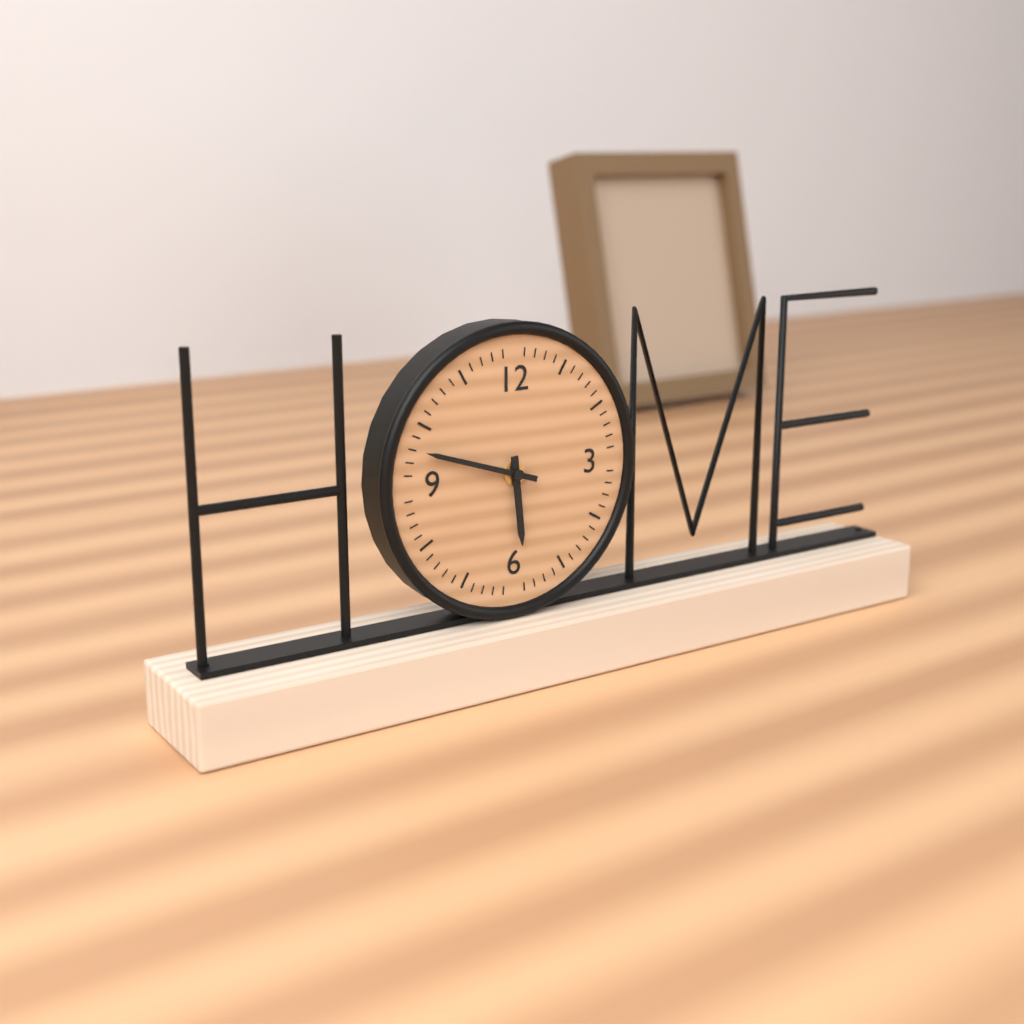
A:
5,48
